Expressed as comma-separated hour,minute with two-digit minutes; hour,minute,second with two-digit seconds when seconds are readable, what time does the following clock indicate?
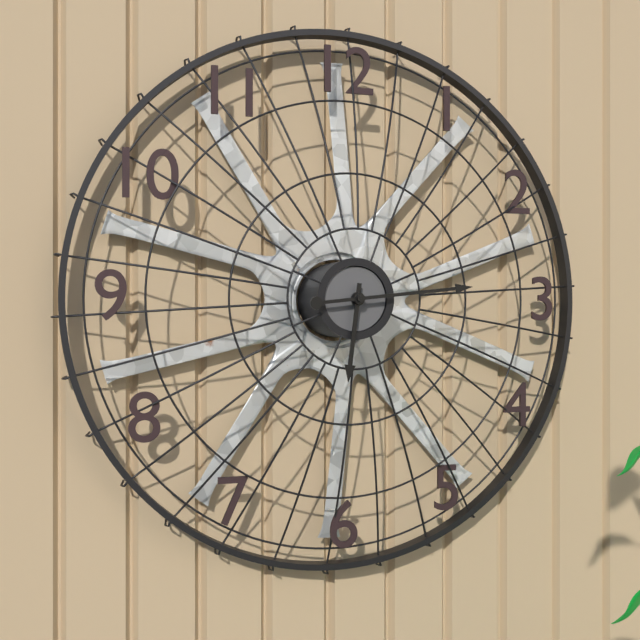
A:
6,14
